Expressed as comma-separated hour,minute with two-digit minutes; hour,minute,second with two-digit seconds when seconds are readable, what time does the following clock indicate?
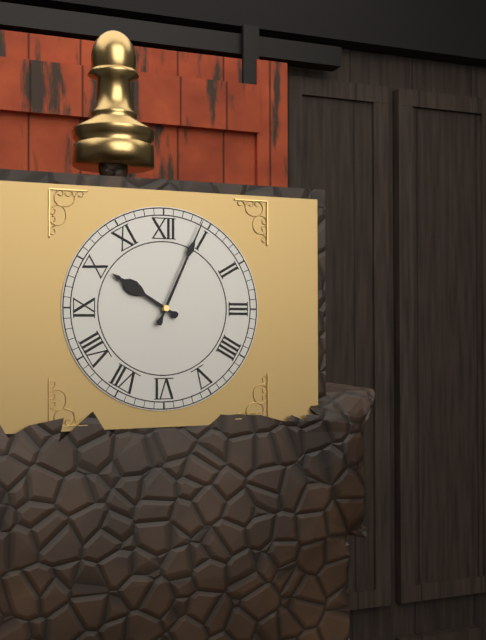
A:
10,04
